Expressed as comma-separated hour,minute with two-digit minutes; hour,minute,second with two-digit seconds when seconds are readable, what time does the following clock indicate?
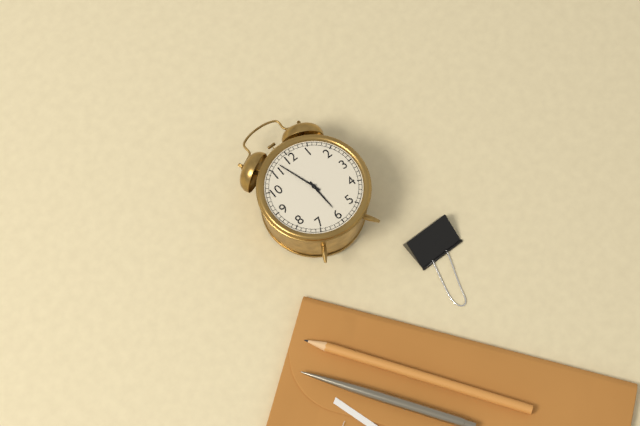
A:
5,57
